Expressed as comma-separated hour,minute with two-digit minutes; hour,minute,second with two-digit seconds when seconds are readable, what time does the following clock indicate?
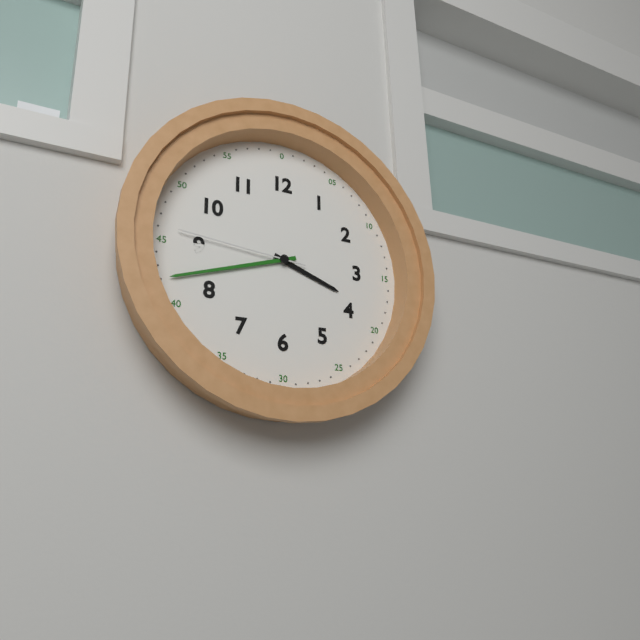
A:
3,42,46
